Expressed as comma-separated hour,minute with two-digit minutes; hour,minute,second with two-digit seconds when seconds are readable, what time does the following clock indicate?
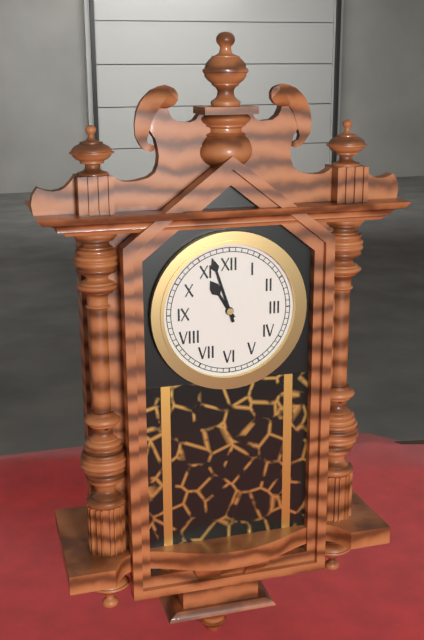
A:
10,57
